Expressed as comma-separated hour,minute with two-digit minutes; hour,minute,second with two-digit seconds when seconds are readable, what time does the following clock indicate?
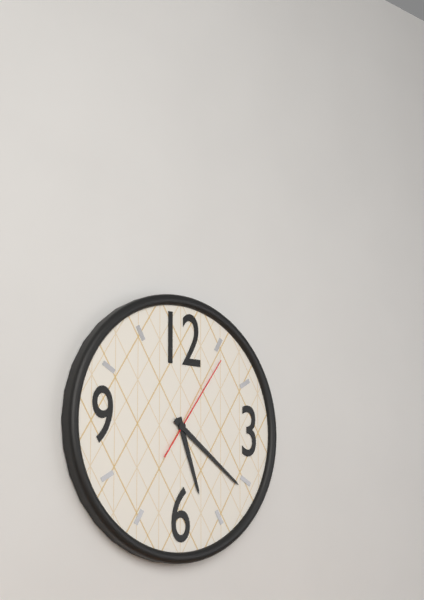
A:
5,21,06
